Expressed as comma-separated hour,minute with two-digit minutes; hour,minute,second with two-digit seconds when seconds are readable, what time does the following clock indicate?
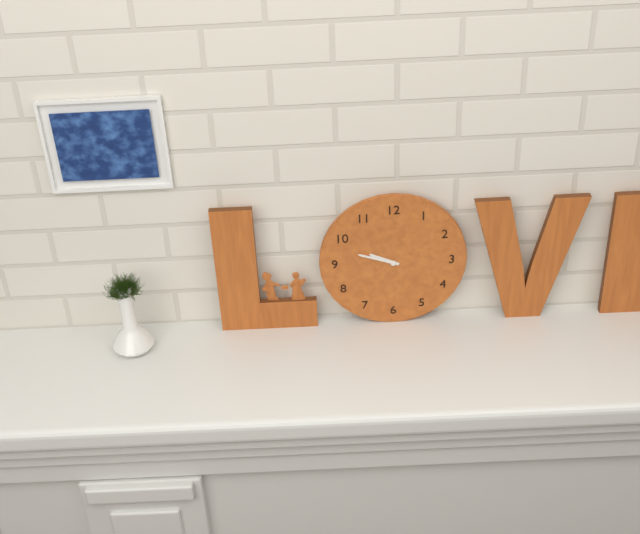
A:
9,48
